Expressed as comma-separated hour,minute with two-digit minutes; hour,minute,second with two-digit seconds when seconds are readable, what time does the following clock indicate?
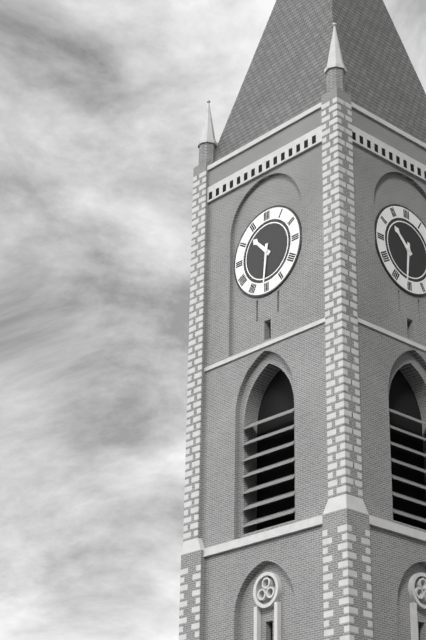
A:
10,31
